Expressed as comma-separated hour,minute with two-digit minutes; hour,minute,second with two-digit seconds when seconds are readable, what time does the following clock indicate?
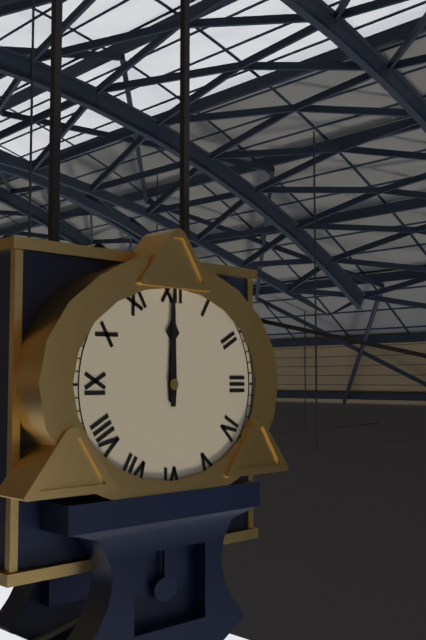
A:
12,00
